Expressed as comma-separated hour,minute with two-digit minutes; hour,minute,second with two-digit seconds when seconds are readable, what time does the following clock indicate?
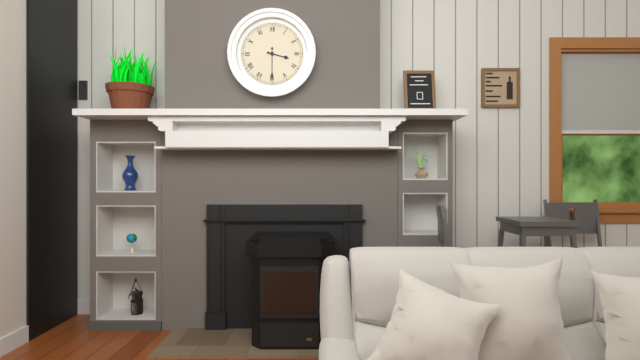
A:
3,30
